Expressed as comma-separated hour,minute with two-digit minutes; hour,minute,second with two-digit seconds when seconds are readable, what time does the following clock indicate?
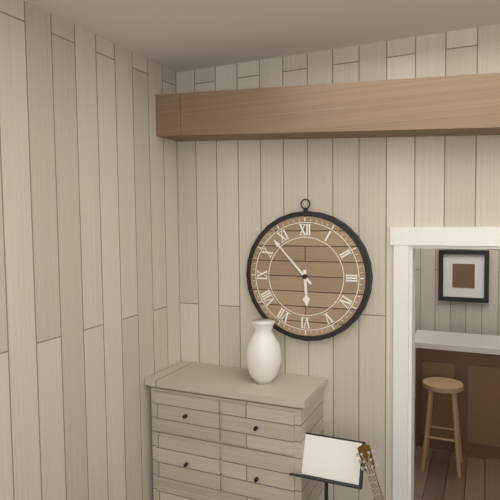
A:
5,53
